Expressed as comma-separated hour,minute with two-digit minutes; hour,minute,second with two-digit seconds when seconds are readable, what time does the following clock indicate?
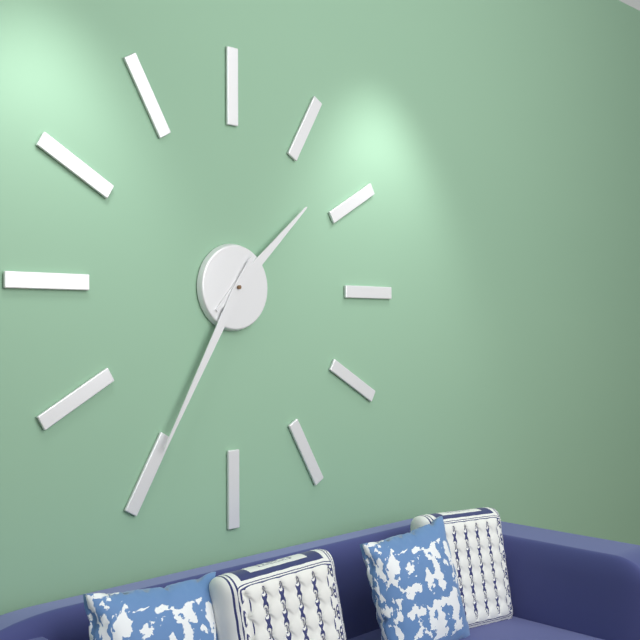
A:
1,35
